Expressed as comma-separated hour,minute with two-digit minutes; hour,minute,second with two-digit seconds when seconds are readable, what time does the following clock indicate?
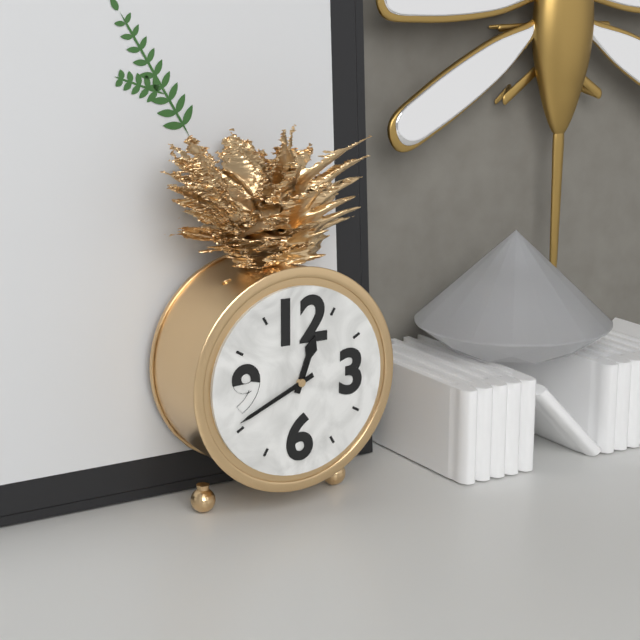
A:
12,41
